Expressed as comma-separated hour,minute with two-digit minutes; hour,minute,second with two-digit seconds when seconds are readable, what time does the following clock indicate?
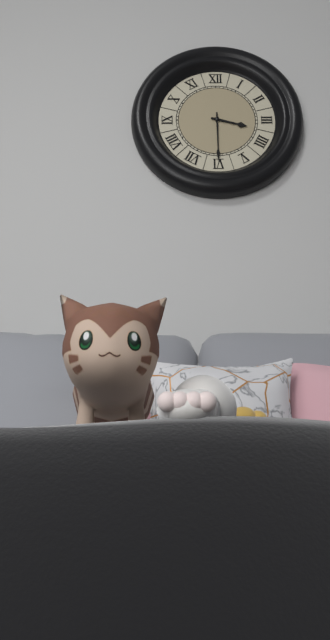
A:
3,30
